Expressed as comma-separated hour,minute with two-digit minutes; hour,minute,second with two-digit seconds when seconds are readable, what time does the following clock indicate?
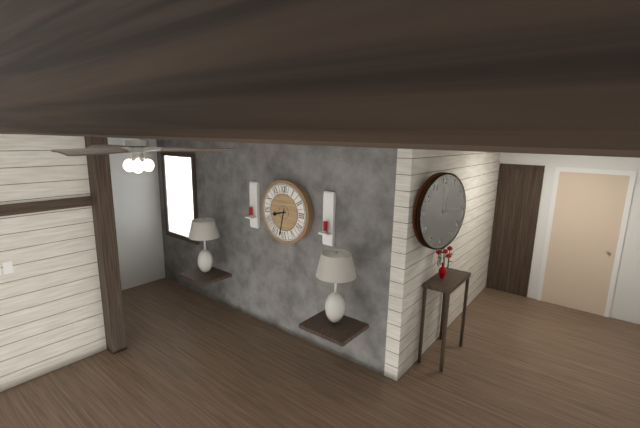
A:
8,32
